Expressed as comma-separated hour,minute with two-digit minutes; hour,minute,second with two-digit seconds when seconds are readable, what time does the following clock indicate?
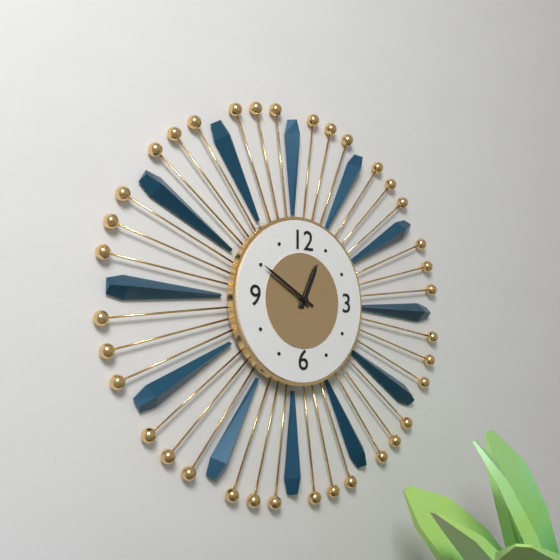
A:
12,50
